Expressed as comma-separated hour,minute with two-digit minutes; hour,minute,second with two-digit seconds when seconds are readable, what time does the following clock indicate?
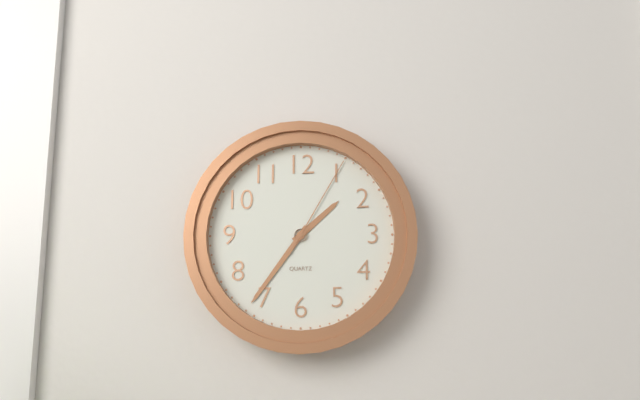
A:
1,36,05
